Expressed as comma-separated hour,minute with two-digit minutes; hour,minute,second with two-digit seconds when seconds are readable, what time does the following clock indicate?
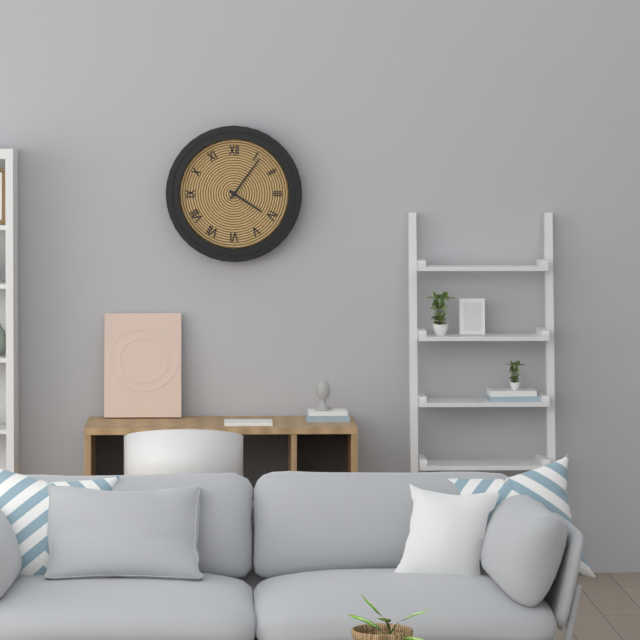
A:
4,06
